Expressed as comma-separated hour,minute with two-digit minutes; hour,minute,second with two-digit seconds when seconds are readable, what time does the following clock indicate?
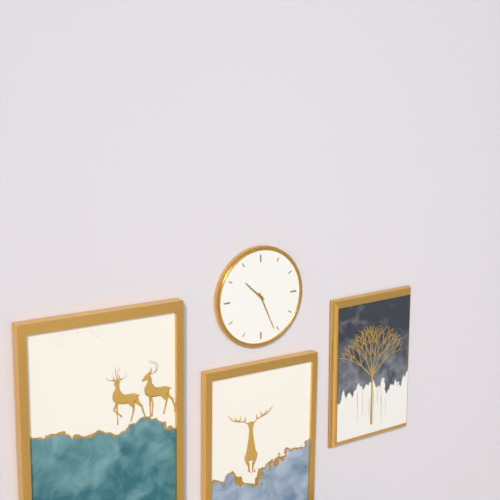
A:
10,26
